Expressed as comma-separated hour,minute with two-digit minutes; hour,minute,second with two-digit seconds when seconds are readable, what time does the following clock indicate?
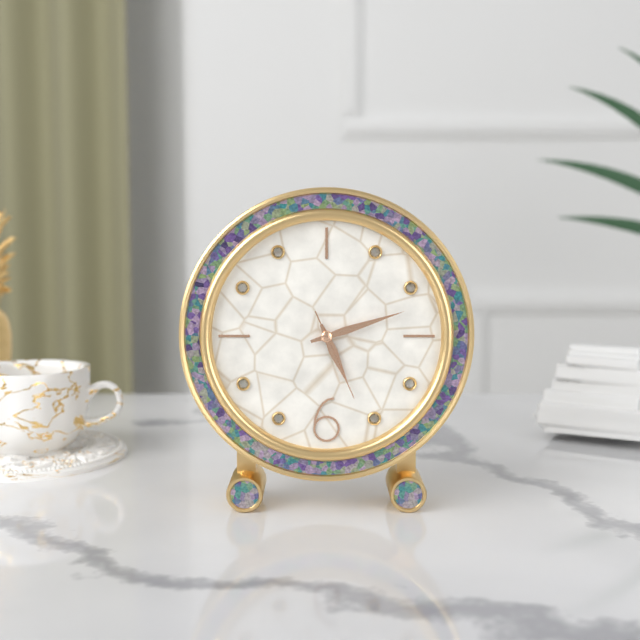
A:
5,12,26
